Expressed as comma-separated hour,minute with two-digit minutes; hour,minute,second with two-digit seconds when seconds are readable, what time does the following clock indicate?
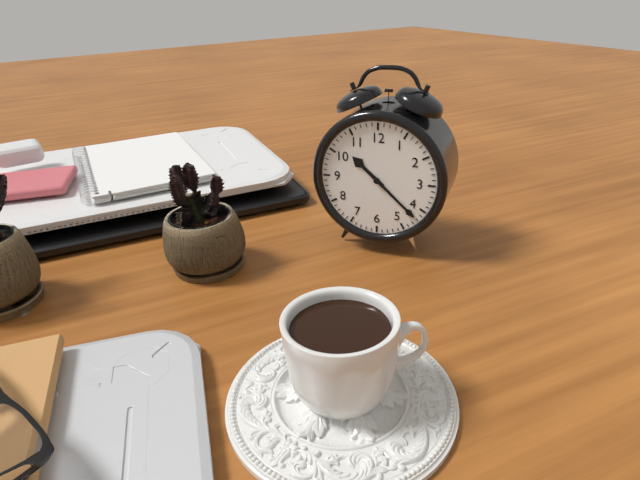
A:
10,22
